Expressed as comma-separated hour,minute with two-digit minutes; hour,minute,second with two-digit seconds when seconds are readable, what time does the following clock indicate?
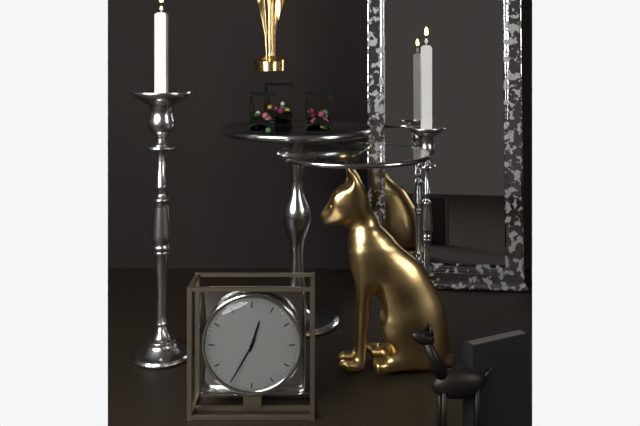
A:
12,35
